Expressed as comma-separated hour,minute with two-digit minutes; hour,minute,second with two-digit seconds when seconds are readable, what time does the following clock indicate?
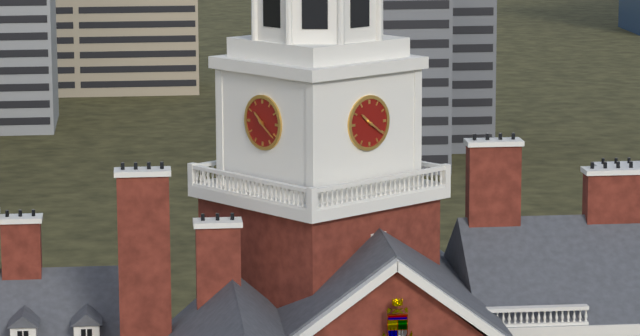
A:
10,21
